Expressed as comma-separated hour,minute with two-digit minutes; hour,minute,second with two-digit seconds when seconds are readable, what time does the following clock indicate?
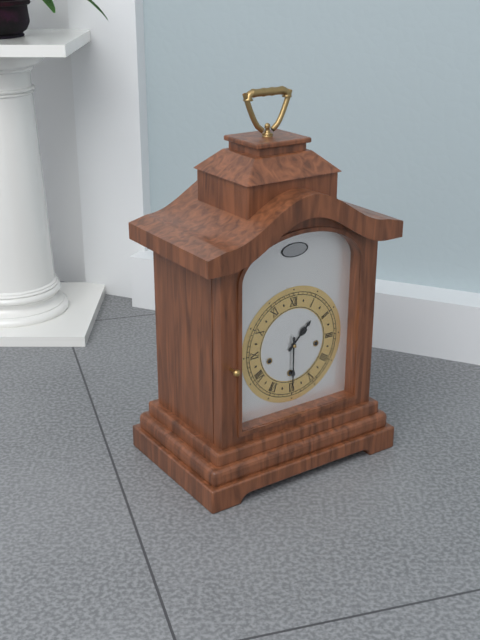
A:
1,30
